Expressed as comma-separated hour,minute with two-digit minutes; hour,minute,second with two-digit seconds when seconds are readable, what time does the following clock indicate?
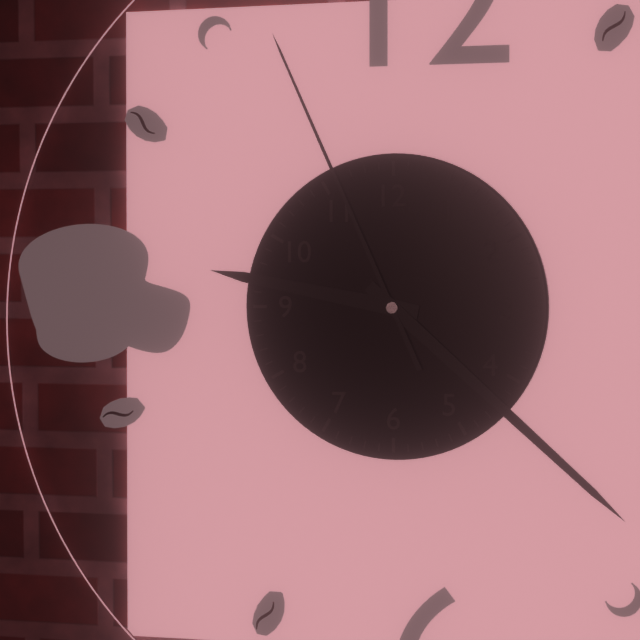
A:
9,22,56
